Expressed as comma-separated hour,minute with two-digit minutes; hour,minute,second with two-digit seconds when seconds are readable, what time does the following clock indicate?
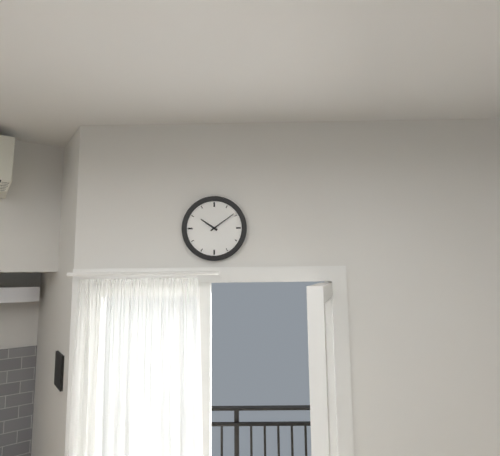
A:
10,09
